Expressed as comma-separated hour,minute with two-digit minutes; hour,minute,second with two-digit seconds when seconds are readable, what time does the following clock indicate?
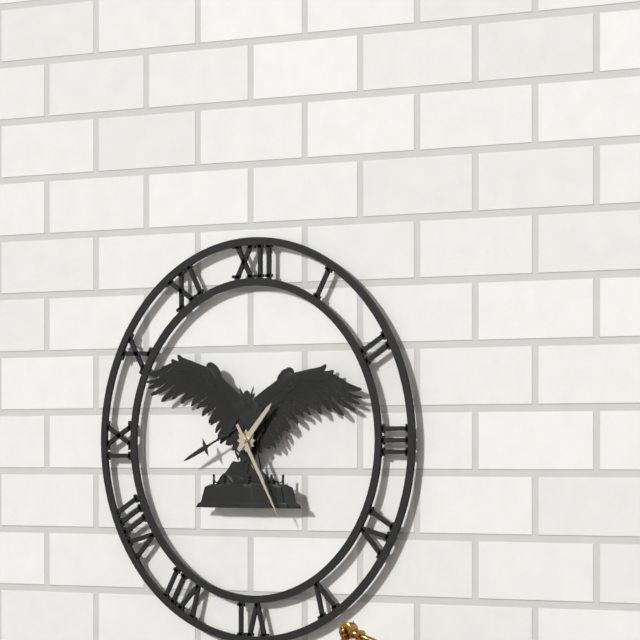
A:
1,25
